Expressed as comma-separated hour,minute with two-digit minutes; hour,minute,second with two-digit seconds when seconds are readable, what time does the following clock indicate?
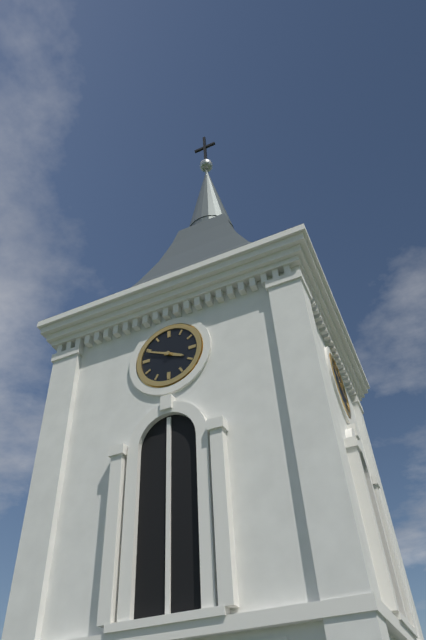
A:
3,49
